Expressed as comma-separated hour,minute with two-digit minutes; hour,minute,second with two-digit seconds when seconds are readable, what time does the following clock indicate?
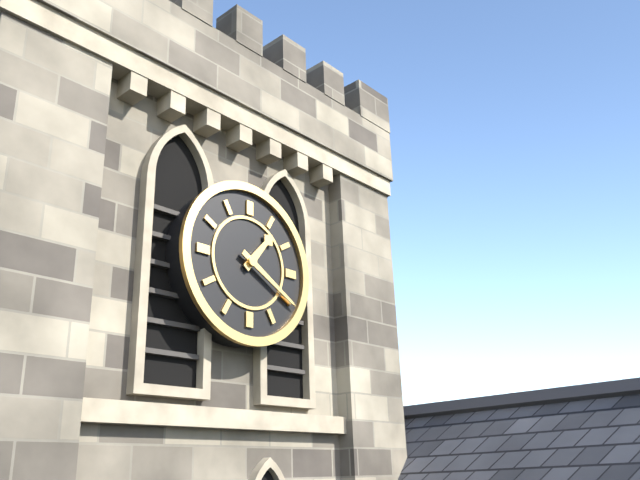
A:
1,20
